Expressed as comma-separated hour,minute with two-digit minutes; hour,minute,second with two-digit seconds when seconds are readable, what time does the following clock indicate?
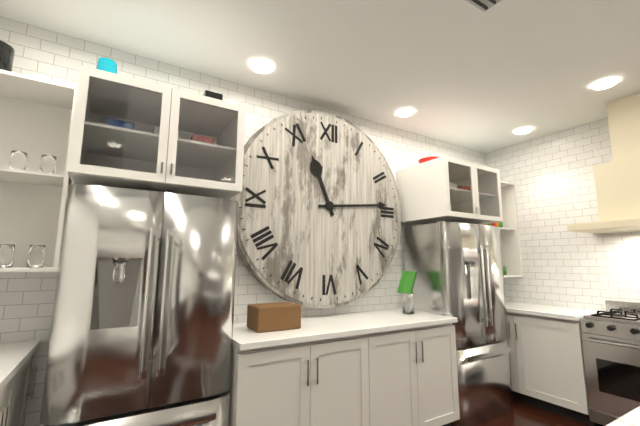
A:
11,14
